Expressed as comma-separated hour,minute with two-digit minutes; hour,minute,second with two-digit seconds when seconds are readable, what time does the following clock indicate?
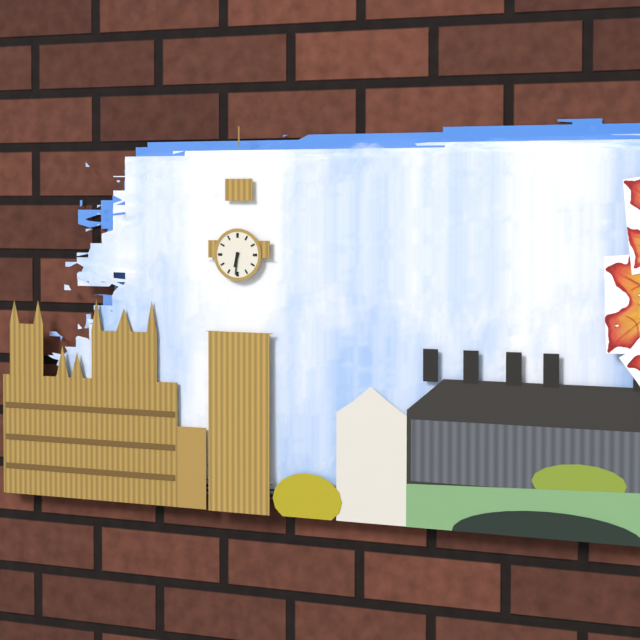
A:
6,31
